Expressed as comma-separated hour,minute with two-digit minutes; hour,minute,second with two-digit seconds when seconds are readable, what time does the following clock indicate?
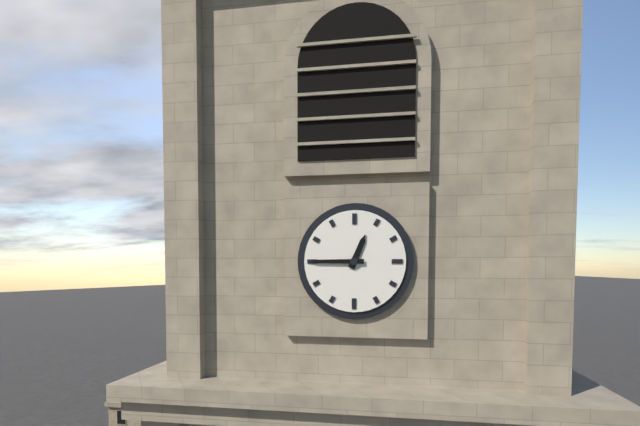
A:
12,45
